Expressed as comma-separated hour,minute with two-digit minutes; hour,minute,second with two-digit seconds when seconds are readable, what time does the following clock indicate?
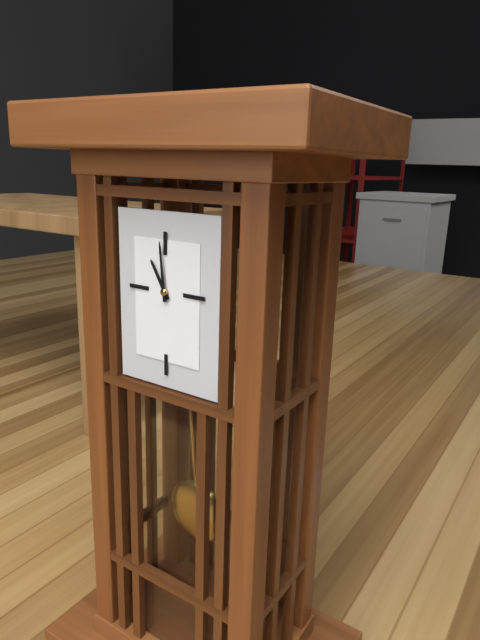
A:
10,59
